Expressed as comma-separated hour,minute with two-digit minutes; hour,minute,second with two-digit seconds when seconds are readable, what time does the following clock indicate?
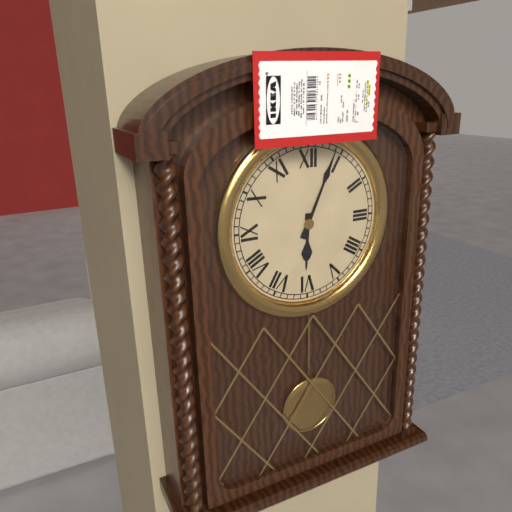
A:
6,04
